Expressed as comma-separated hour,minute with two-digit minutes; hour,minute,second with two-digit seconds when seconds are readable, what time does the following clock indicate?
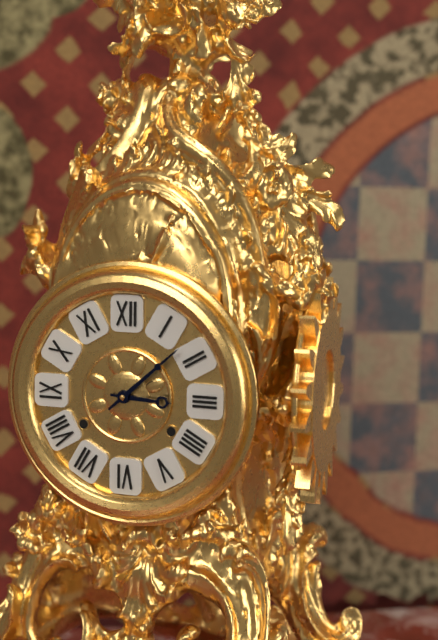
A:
3,08
